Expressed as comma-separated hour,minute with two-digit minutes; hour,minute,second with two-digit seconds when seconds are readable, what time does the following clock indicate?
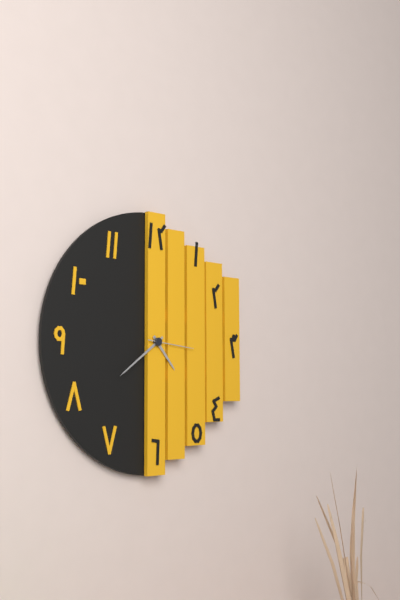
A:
4,39,16
